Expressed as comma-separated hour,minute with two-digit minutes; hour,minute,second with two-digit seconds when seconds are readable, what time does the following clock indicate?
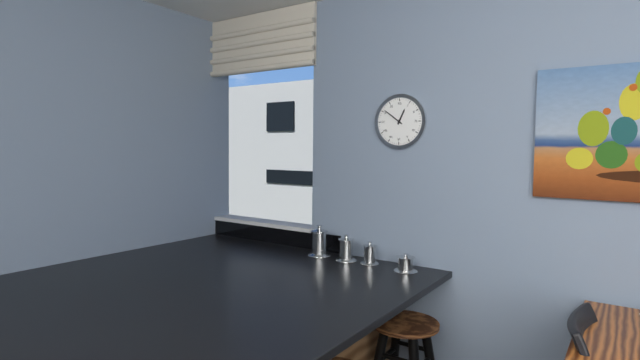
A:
12,51
